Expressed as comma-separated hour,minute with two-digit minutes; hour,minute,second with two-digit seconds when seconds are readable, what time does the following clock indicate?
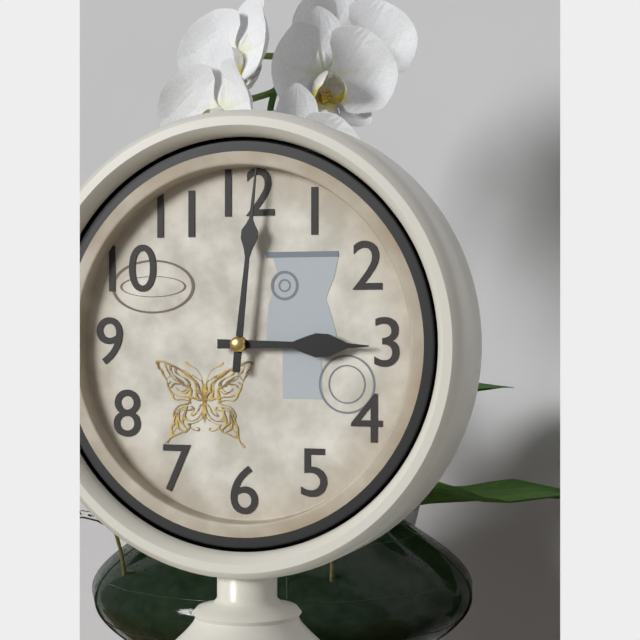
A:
3,01
